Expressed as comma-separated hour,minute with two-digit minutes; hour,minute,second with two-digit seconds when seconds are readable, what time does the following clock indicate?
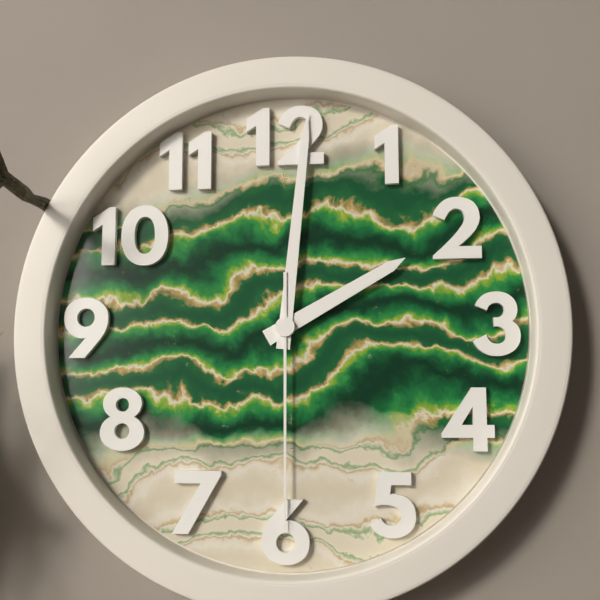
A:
2,01,30
